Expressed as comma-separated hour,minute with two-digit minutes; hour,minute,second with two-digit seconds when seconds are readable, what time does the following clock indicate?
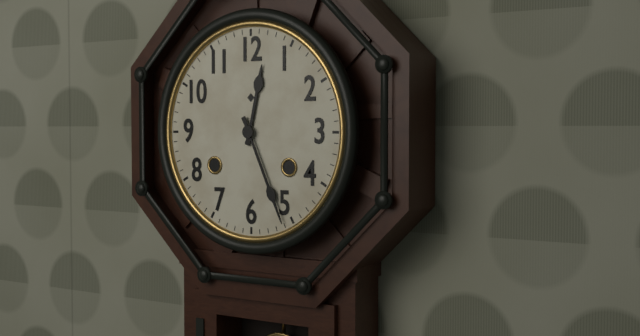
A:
12,26
